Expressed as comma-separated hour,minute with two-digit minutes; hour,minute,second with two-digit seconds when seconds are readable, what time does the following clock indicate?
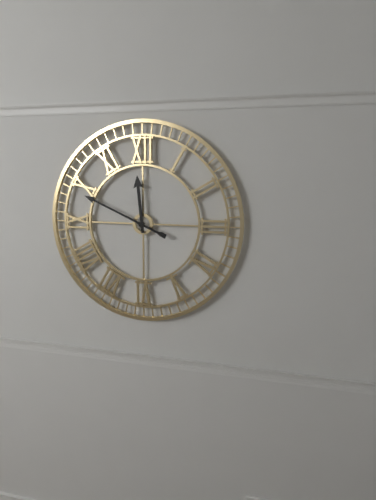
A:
11,49
